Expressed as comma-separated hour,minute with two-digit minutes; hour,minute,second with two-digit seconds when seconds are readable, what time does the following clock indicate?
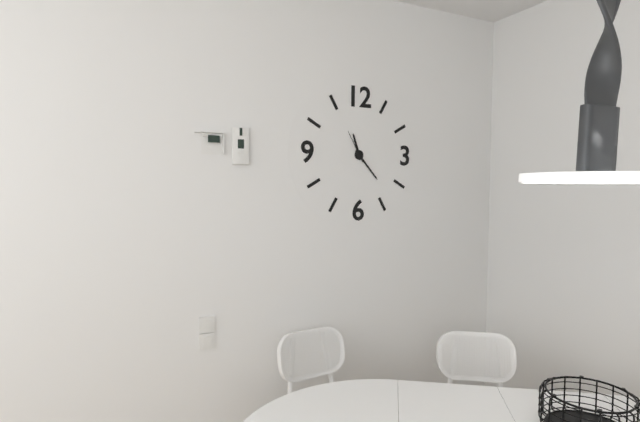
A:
11,23
